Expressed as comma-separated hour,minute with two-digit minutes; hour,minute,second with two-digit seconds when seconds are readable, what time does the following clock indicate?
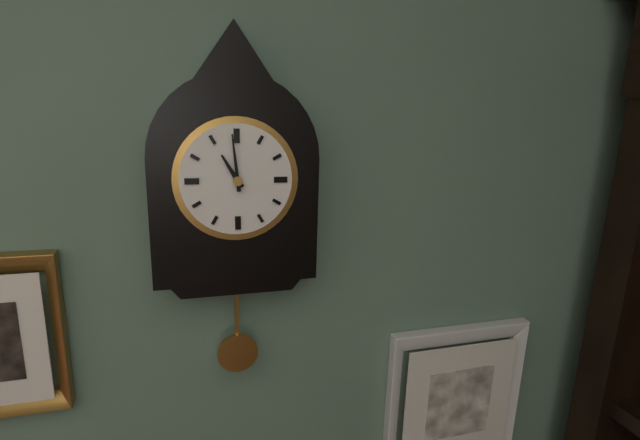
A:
10,59
